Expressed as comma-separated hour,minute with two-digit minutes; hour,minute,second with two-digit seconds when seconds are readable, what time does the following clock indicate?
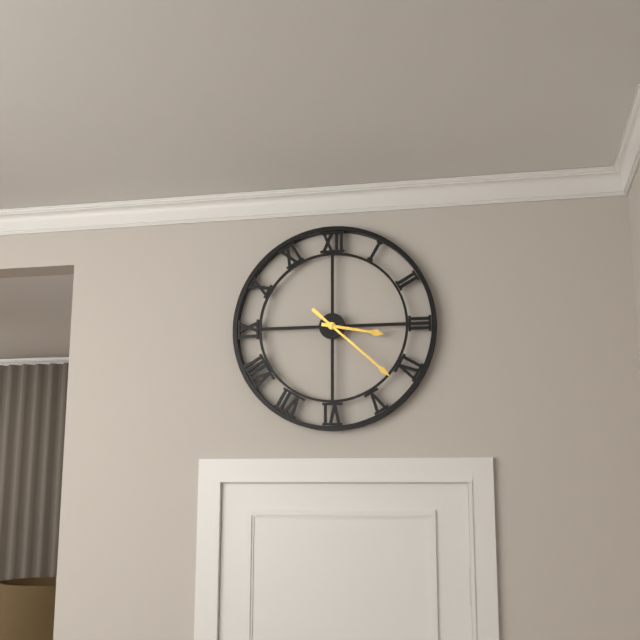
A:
3,22
